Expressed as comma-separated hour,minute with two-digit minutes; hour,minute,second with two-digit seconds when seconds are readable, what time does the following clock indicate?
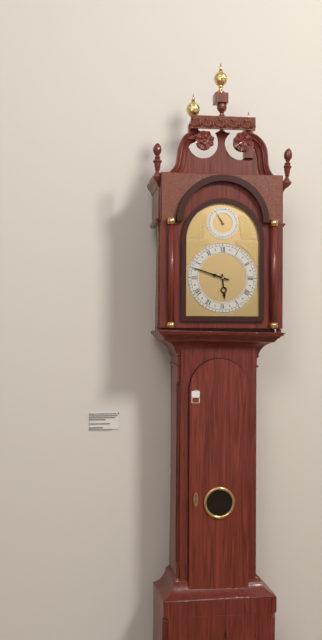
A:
5,48
